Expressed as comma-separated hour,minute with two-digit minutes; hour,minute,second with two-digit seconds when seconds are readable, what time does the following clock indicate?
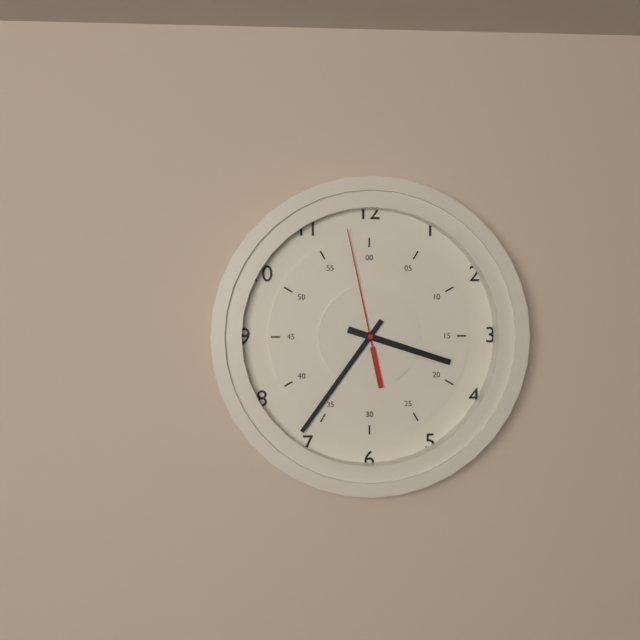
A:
3,36,58
